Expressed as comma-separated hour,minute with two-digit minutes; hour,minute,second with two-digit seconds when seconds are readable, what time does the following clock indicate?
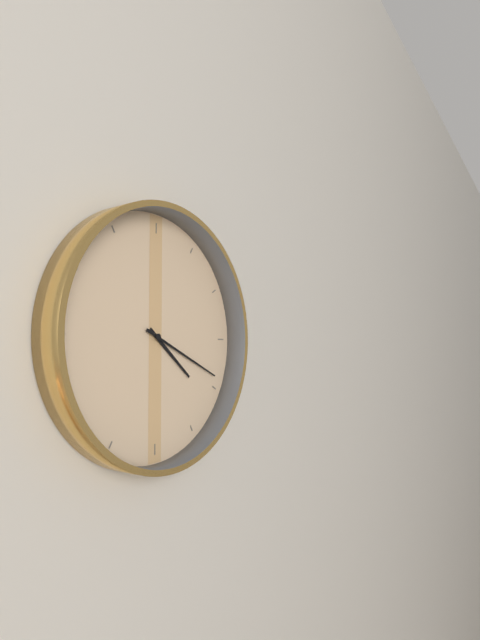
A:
4,19
